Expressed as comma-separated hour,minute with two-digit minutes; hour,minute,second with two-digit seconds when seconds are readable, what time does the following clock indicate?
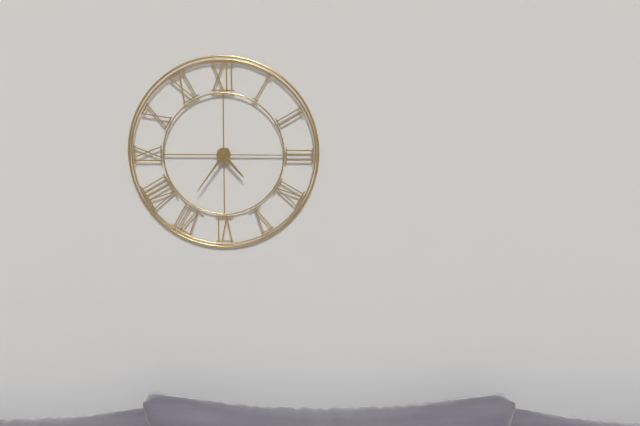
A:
4,36
